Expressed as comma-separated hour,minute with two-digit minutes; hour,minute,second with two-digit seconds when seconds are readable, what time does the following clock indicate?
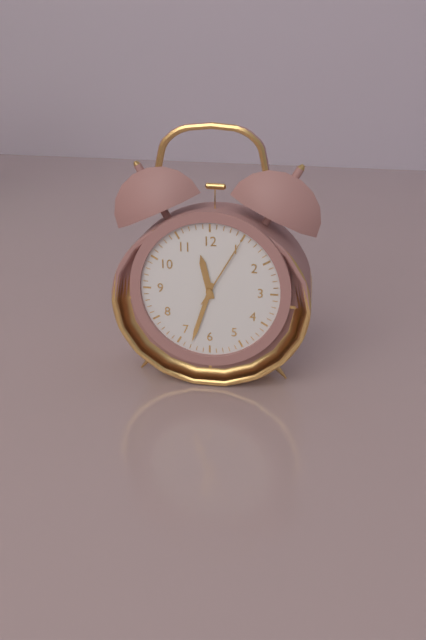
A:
11,33,05
